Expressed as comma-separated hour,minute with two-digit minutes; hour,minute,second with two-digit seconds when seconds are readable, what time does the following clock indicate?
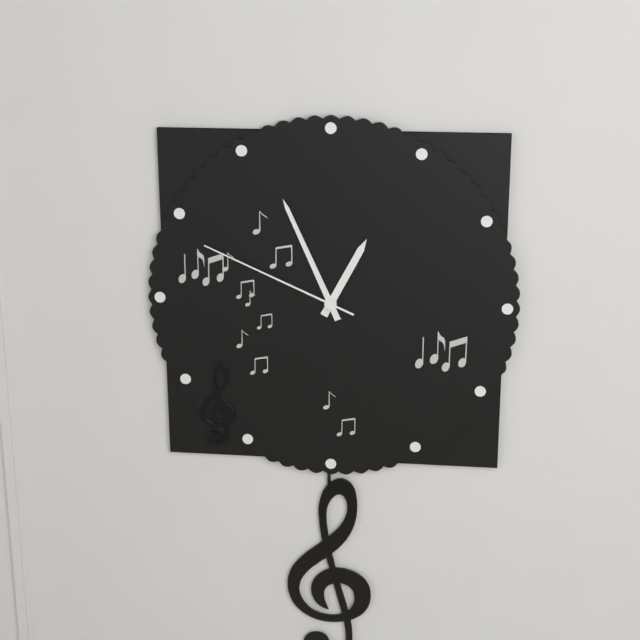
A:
12,56,49
